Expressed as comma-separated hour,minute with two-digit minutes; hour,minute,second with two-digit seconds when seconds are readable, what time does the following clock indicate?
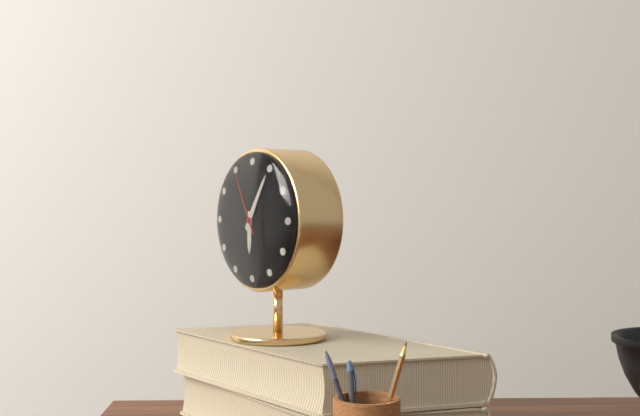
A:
6,05,55
